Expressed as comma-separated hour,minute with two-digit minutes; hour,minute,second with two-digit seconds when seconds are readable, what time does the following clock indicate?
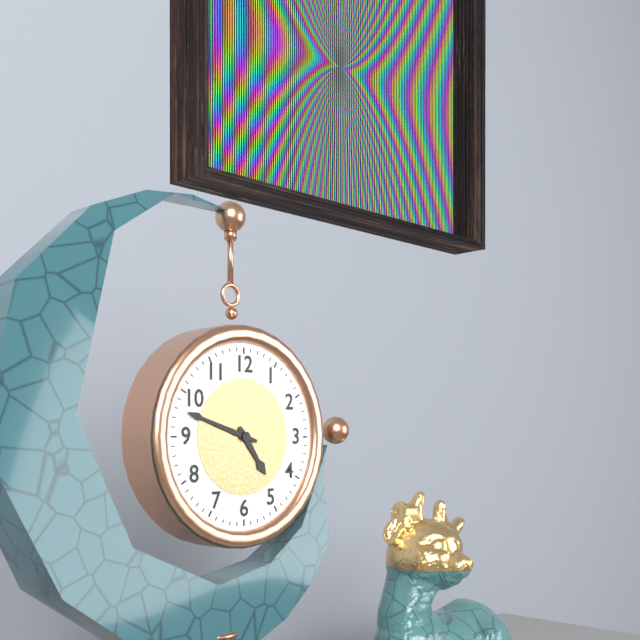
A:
4,48
